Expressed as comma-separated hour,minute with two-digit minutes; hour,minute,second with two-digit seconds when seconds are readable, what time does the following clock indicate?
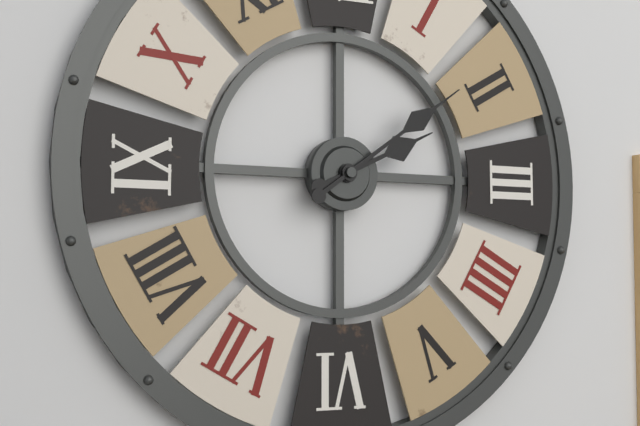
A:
2,09
